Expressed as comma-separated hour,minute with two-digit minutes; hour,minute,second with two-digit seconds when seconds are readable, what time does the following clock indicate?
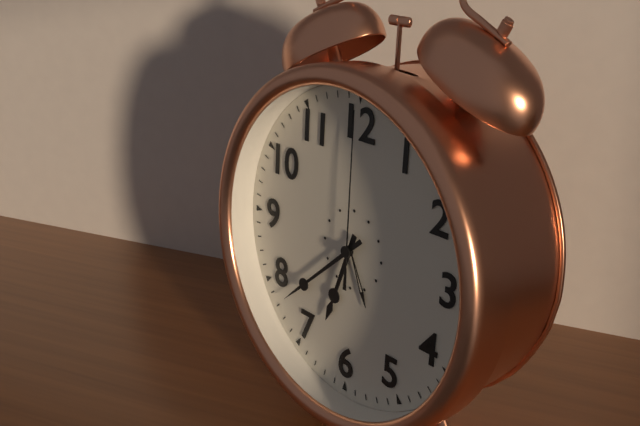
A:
6,38,00
